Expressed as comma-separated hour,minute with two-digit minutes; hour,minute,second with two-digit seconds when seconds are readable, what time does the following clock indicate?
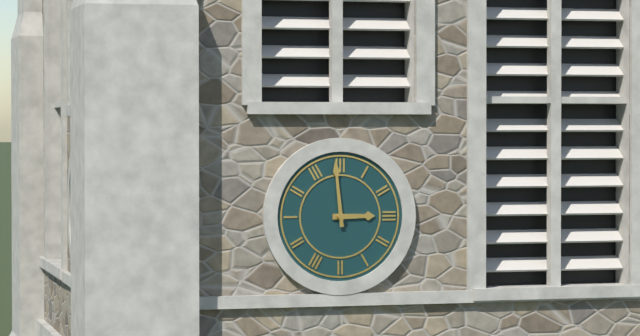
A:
2,59
